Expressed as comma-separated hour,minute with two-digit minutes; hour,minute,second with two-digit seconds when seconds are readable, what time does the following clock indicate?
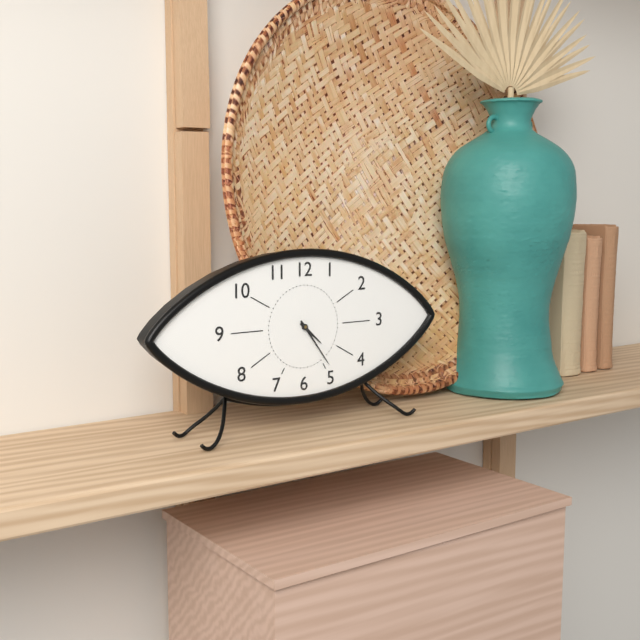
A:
4,24
